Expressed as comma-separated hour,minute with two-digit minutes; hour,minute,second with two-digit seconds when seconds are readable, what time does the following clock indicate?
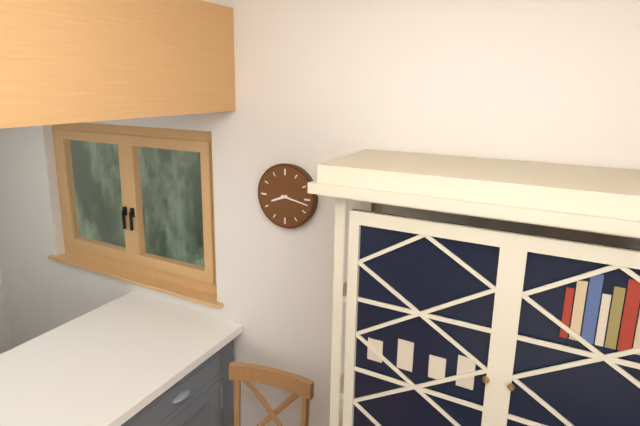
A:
8,17
